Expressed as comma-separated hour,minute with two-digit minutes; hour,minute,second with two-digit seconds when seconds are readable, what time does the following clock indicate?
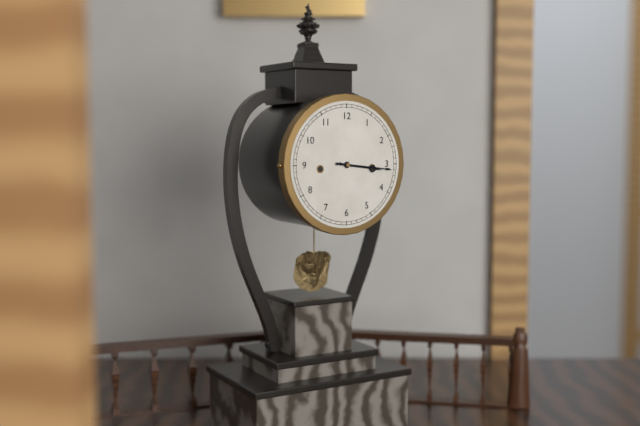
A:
3,16
